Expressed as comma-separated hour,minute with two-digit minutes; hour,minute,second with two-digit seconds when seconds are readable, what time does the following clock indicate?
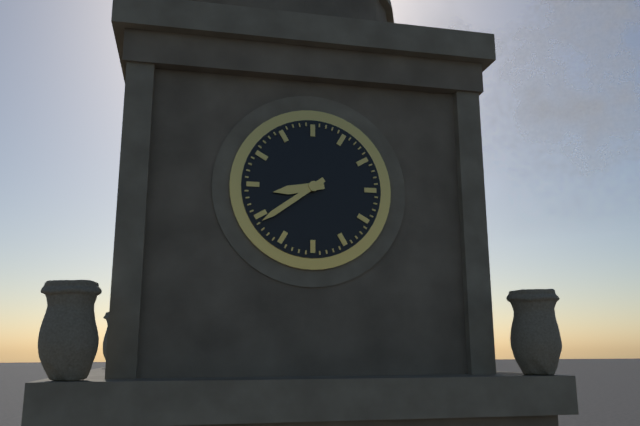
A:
8,39
